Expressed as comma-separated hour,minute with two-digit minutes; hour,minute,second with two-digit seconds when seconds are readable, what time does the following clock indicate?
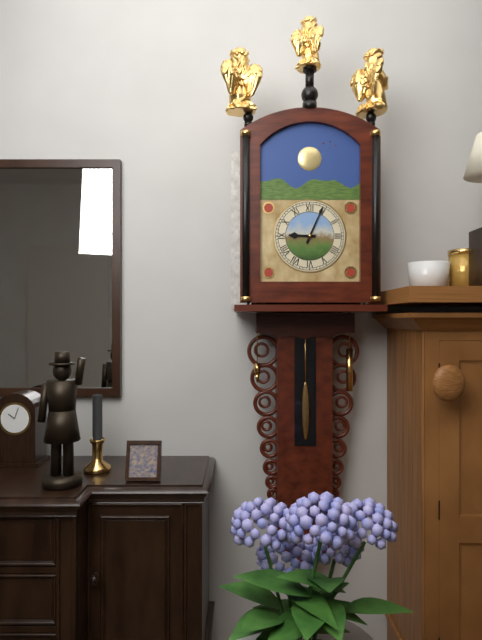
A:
9,04
